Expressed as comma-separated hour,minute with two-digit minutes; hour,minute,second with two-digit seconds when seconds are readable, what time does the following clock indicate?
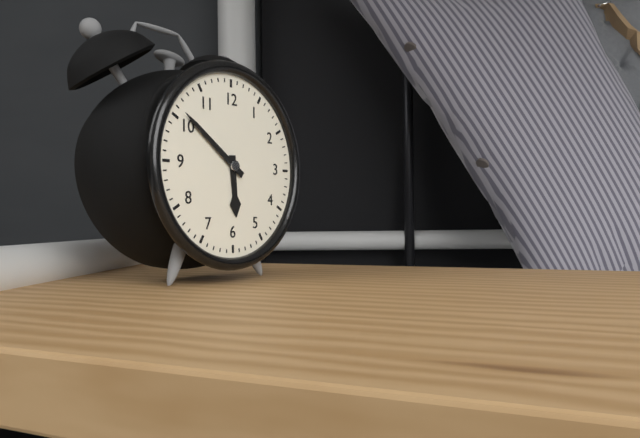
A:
5,51
